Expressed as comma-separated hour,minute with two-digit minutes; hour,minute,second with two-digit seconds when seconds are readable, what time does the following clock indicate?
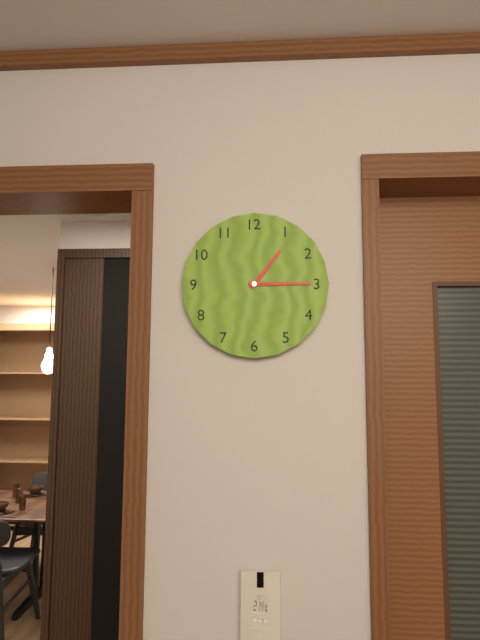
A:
1,15
